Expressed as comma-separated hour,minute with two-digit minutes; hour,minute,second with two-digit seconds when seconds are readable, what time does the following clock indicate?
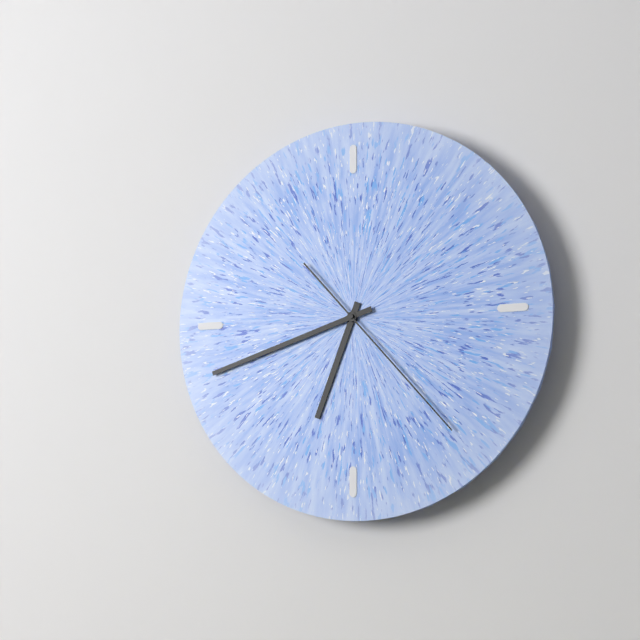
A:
6,42,23
